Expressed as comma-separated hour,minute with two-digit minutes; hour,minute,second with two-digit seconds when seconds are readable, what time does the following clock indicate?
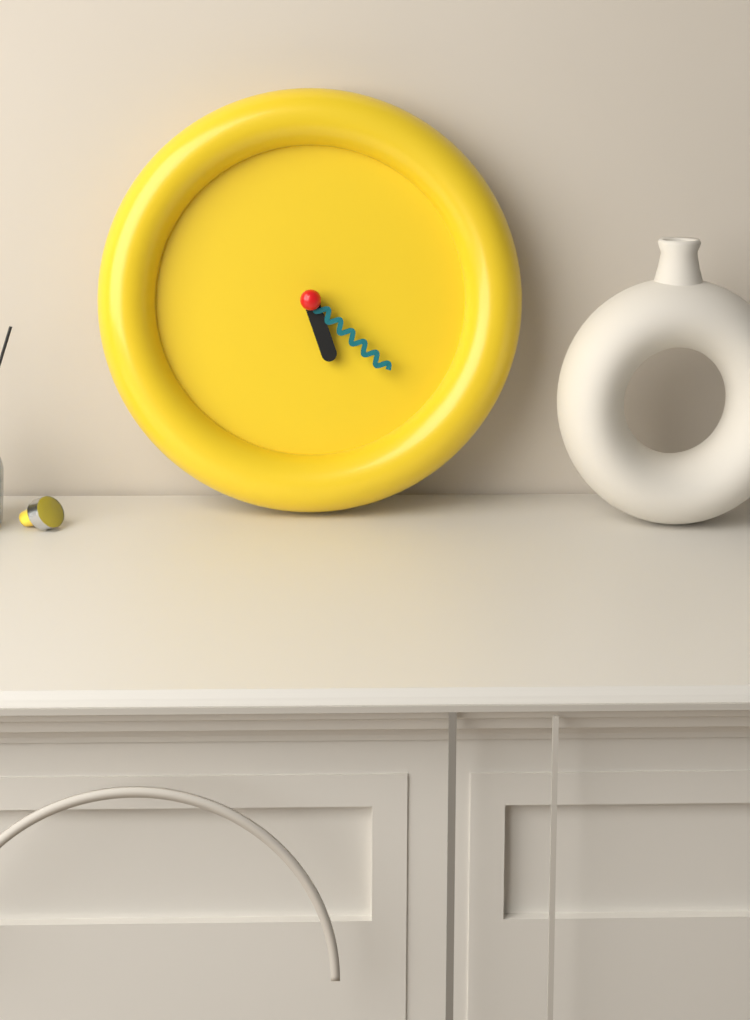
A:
5,22
